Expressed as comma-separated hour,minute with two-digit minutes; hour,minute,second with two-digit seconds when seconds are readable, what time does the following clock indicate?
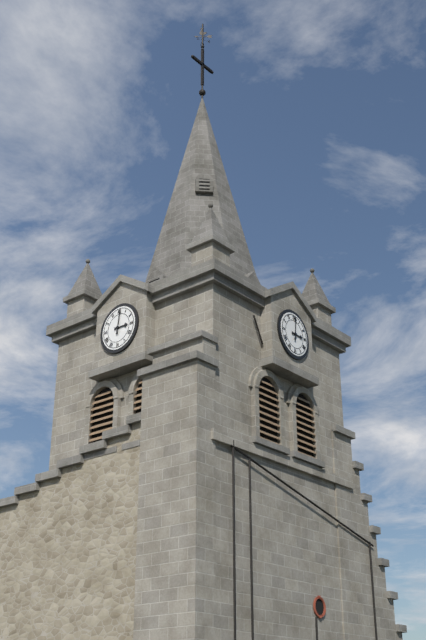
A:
3,01
